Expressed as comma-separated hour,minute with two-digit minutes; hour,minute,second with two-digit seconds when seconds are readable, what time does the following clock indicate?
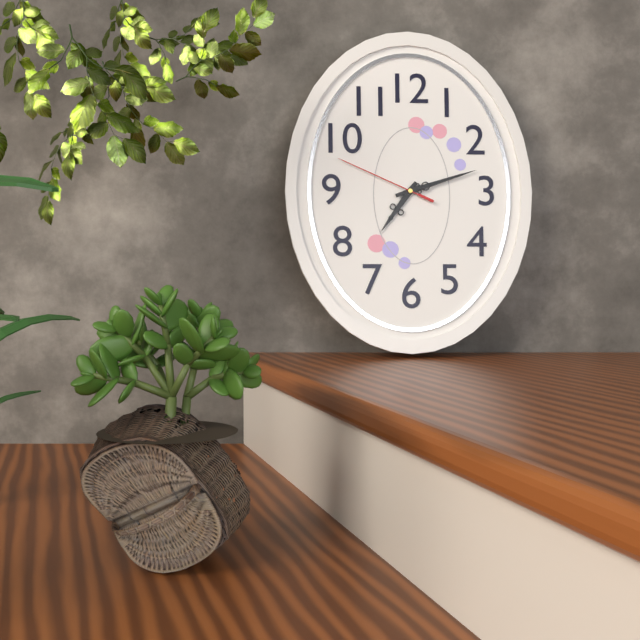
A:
7,12,49
